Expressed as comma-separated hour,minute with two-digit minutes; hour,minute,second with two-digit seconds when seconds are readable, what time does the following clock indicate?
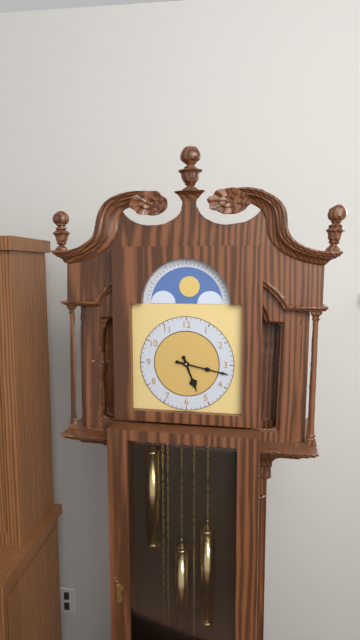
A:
5,17
